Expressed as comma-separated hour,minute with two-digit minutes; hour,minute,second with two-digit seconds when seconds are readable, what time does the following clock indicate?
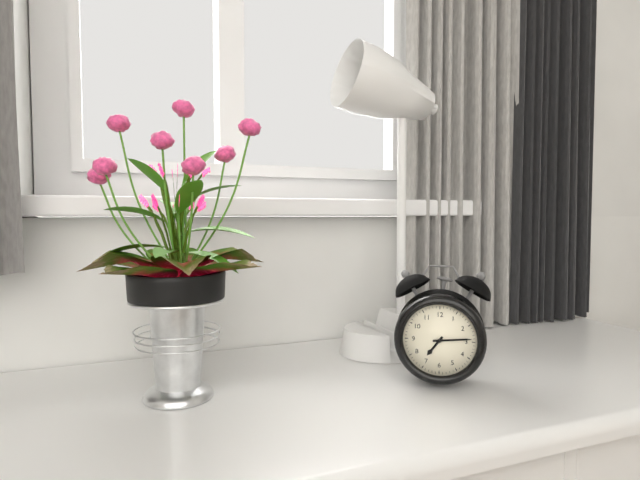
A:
7,14
